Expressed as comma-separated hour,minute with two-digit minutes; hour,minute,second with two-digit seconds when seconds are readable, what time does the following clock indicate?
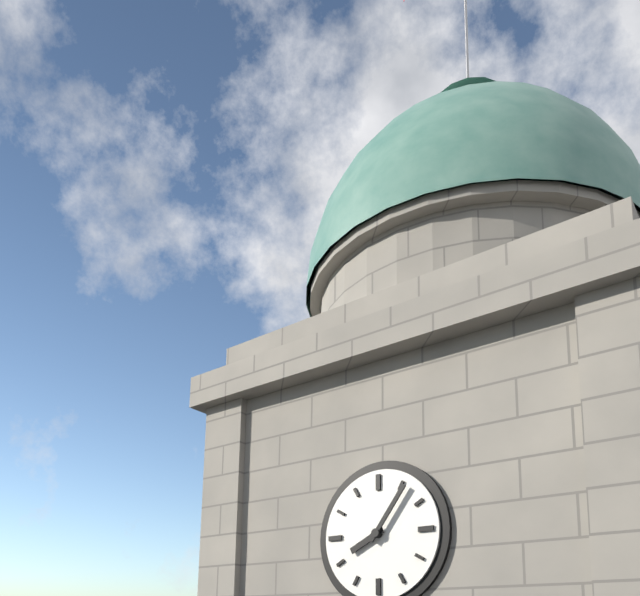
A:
8,06
